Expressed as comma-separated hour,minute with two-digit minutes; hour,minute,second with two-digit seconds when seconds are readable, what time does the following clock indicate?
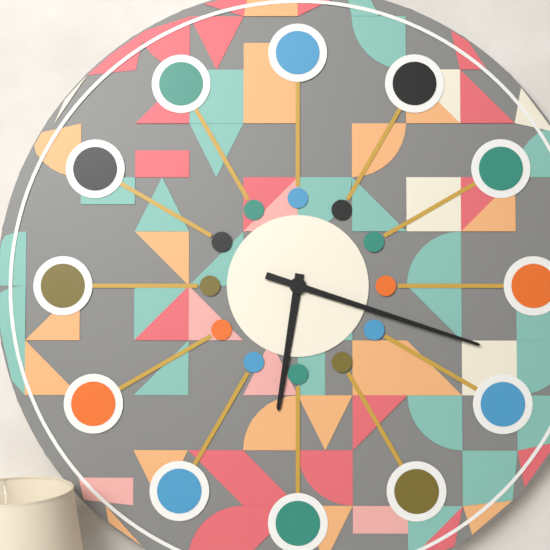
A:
6,18
